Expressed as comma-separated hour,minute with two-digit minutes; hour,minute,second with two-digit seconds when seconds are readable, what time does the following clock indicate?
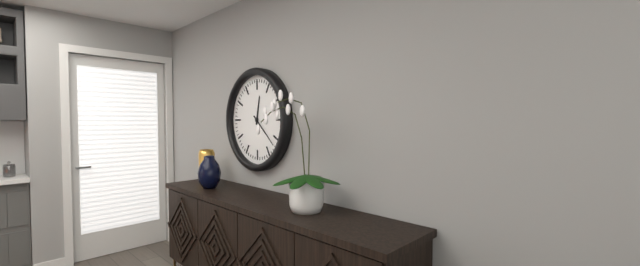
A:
12,22
